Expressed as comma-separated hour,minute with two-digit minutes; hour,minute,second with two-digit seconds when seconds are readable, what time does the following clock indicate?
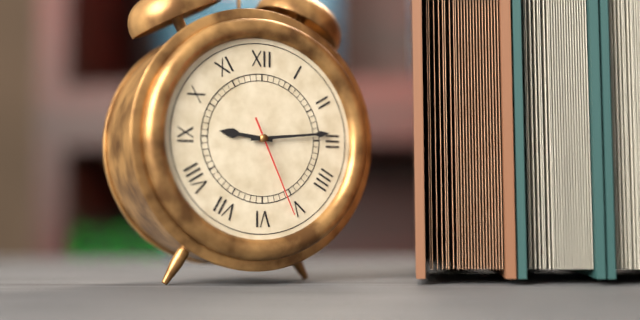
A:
9,14,26
